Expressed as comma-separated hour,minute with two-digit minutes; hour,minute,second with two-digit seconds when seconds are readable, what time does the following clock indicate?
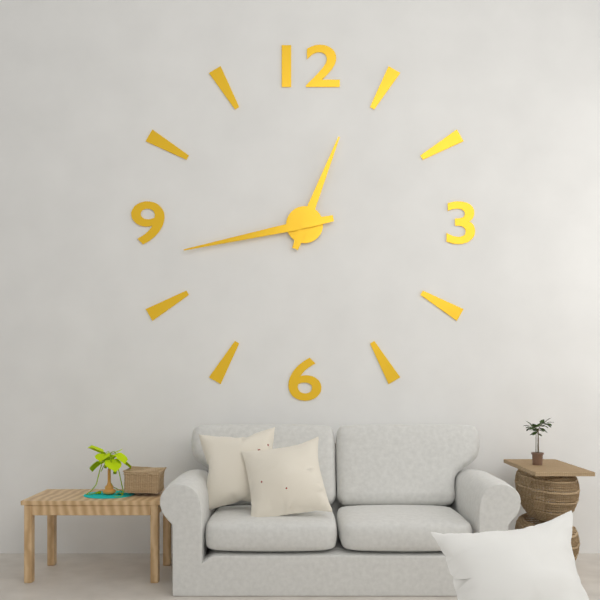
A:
12,43
